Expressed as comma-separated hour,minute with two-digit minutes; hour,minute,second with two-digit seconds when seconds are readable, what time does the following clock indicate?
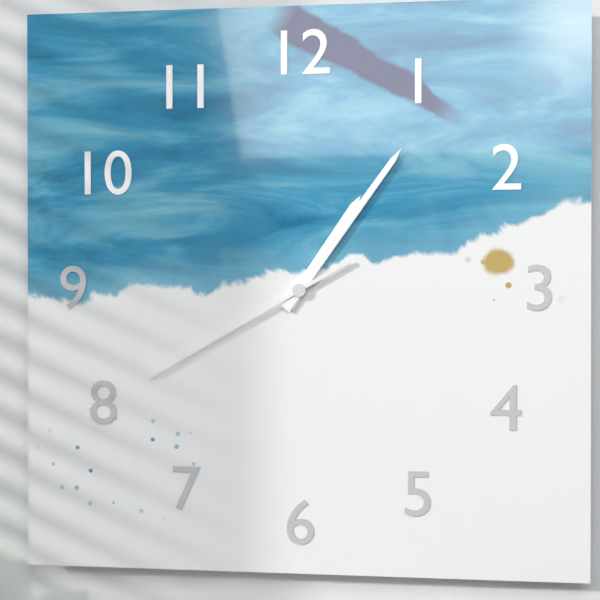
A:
1,06,40
